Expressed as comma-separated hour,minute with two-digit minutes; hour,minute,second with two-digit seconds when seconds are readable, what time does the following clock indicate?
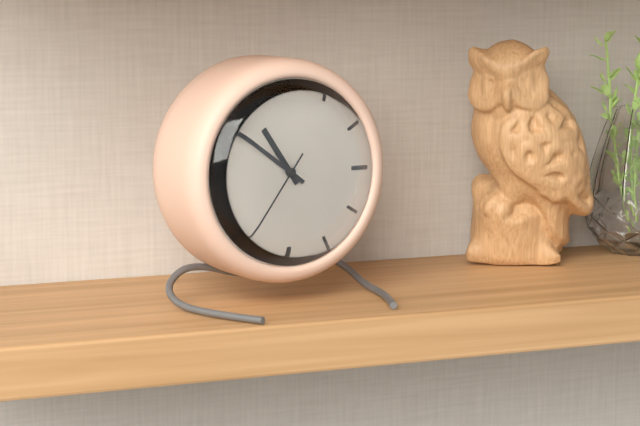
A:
10,51,36
